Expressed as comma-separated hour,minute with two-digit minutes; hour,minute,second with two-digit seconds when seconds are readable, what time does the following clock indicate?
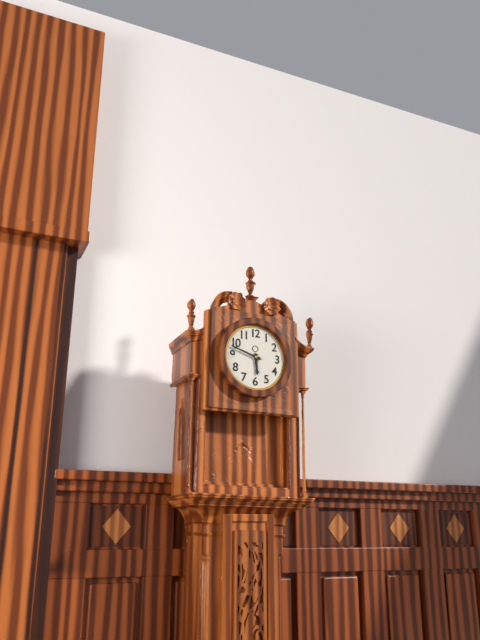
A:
5,48
